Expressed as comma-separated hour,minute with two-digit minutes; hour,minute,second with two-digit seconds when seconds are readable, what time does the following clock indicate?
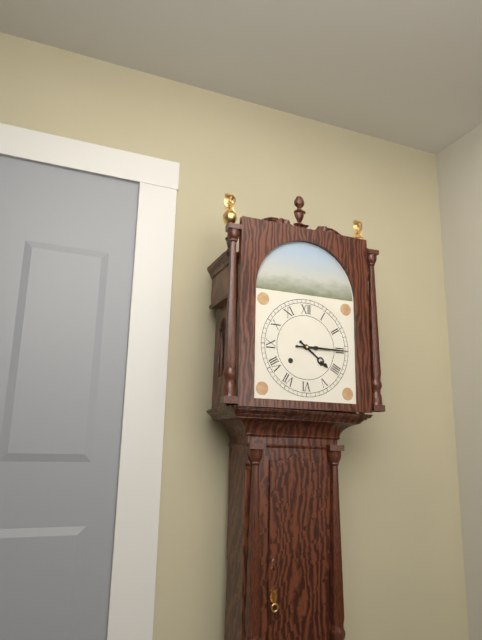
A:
4,15
